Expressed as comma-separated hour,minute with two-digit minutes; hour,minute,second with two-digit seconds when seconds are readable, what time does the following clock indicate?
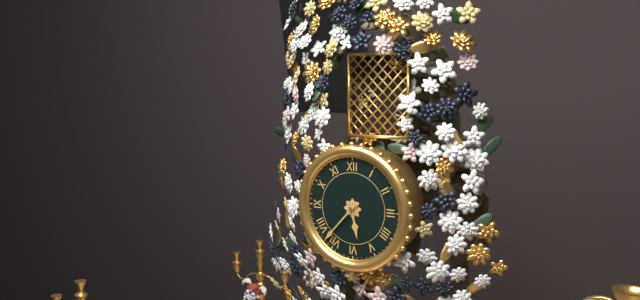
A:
5,37
